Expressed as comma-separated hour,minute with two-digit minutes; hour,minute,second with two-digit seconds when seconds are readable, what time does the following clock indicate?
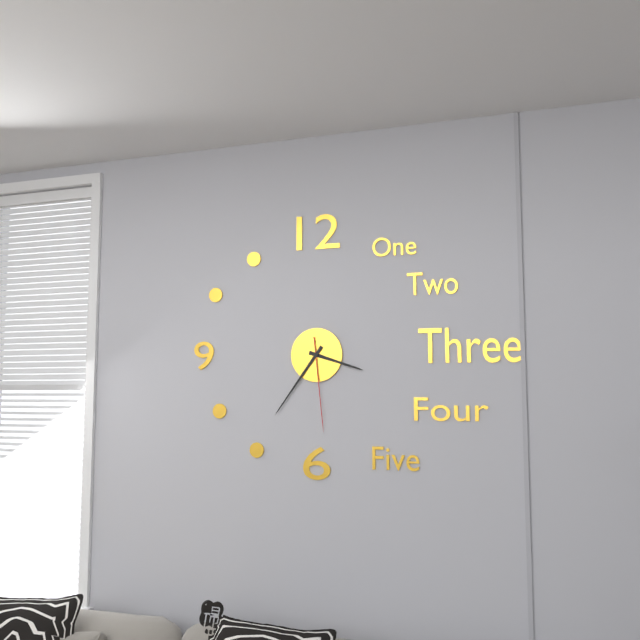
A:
3,36,29
